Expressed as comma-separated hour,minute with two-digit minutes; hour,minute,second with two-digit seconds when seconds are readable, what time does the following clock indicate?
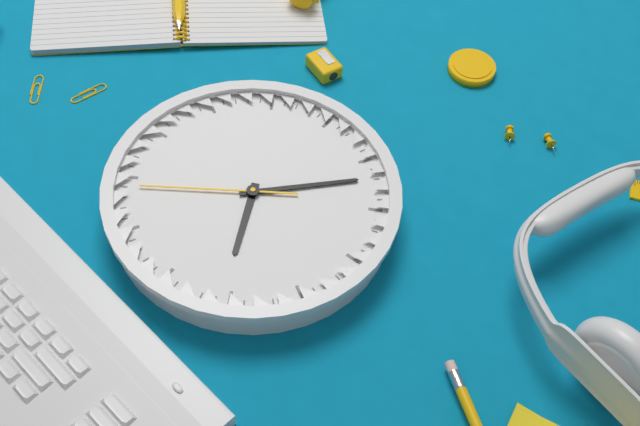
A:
5,07,39
